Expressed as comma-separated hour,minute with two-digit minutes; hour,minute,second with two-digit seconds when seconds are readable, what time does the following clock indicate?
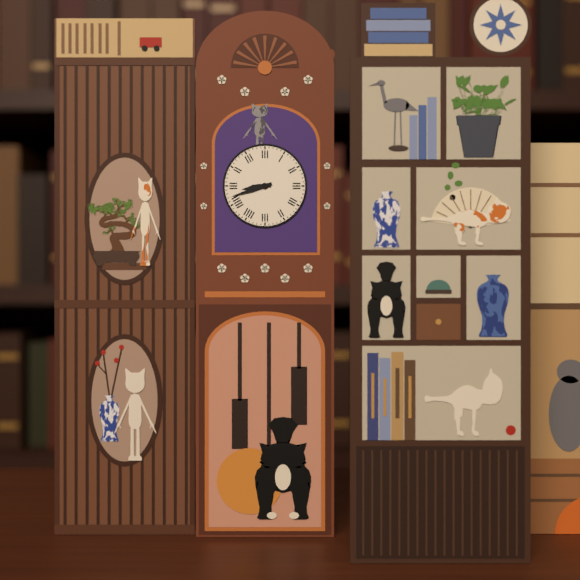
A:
8,42
